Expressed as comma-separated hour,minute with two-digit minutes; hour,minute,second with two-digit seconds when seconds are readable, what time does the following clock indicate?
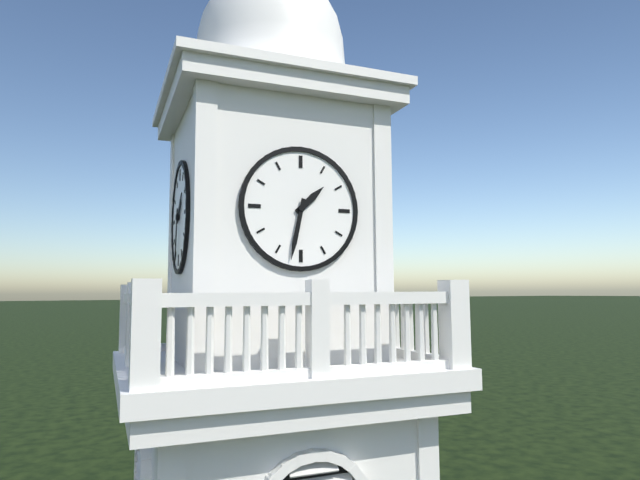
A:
1,32
